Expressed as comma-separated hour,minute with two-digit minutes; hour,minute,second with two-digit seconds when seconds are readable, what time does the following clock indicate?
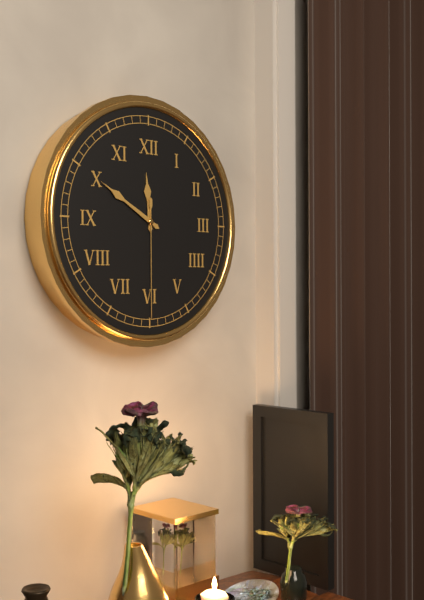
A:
11,50,30
